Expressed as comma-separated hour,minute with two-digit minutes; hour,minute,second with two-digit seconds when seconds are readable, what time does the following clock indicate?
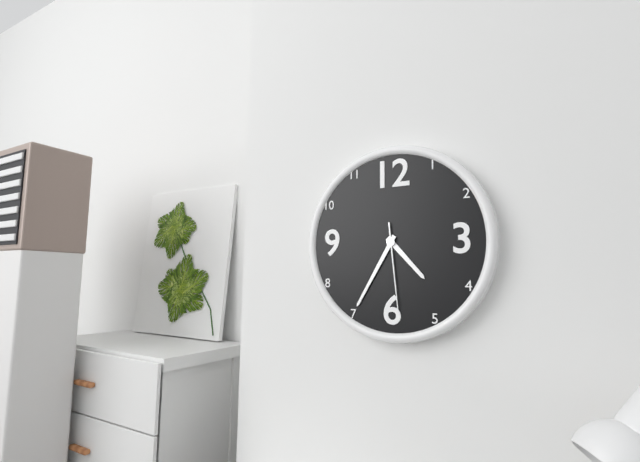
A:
4,35,29
